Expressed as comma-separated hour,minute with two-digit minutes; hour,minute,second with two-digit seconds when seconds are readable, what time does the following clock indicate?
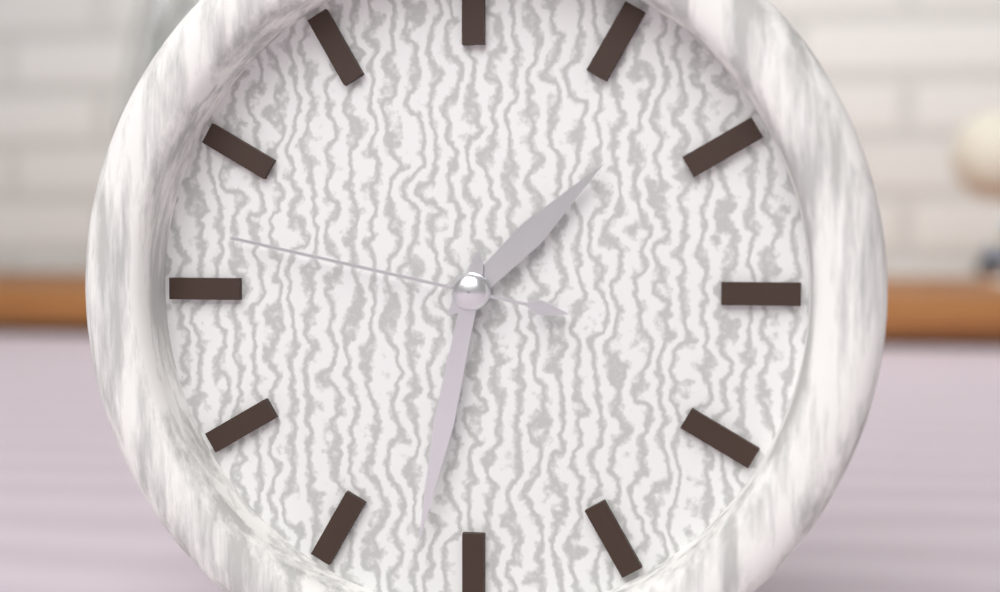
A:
1,32,47
